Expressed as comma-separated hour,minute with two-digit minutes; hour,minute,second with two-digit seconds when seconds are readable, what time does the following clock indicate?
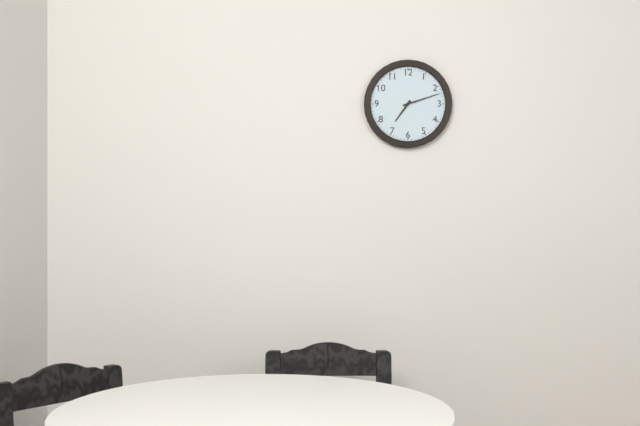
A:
7,12
